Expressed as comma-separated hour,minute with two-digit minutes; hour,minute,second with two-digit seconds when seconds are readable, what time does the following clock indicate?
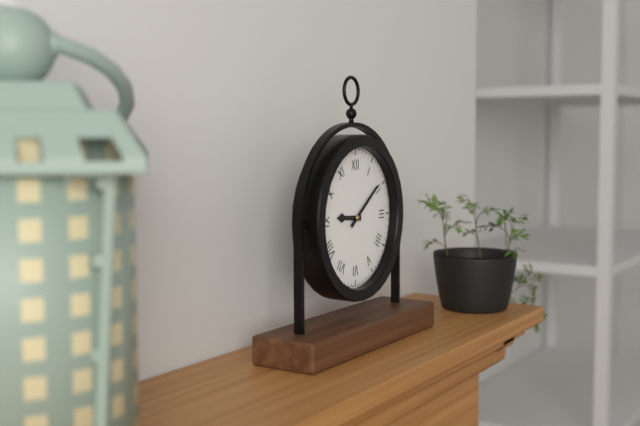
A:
9,09
